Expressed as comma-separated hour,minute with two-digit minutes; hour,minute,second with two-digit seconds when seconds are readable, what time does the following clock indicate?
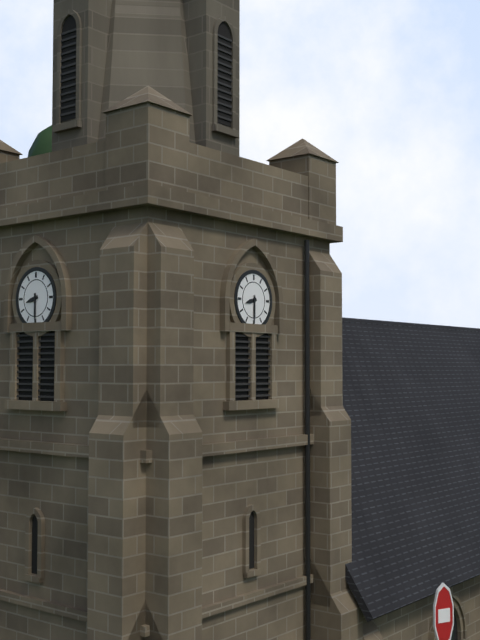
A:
8,30
